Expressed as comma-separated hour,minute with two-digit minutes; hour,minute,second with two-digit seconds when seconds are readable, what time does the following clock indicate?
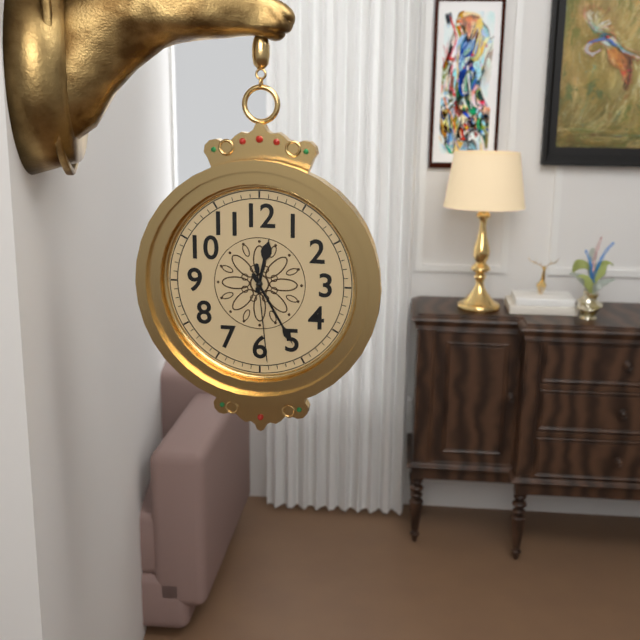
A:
12,25,29
